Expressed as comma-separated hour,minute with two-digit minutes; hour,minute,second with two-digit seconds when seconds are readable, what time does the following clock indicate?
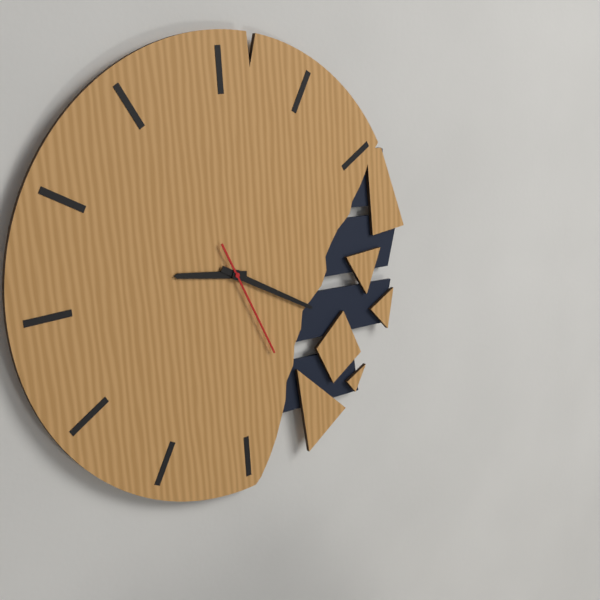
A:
9,20,26
